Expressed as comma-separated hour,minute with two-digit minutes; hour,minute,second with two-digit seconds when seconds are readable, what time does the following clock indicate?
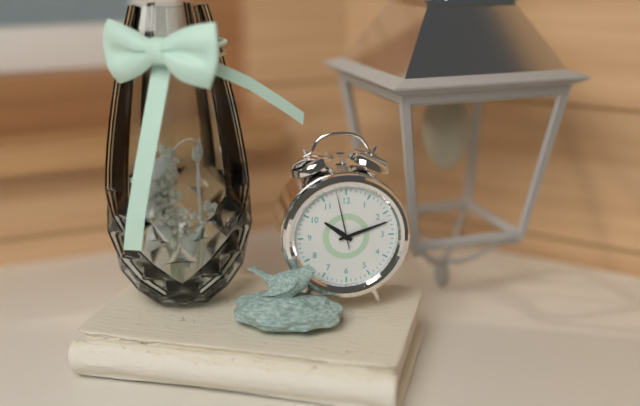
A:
10,12,58
